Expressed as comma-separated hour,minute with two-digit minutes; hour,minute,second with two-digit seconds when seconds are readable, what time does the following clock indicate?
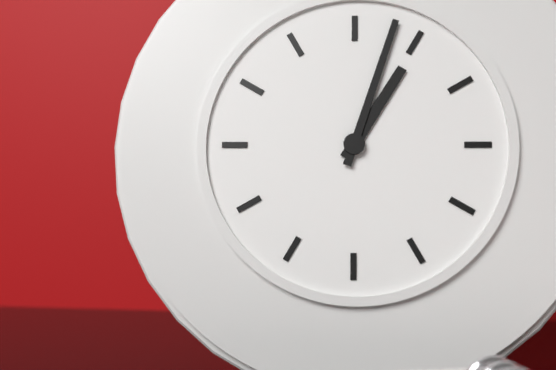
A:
1,03
